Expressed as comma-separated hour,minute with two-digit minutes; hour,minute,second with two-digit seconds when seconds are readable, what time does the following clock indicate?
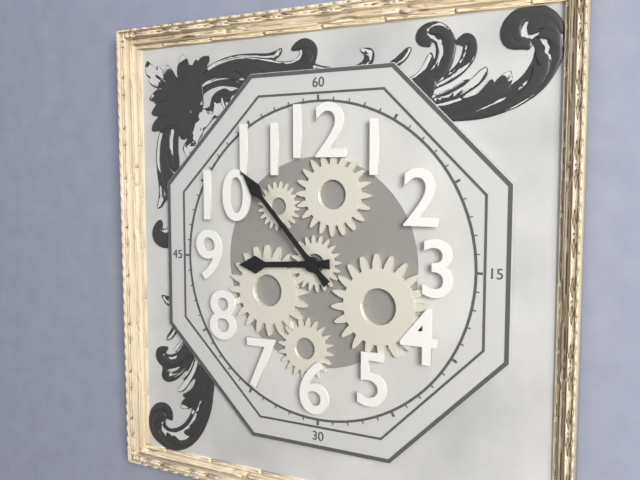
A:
8,53
